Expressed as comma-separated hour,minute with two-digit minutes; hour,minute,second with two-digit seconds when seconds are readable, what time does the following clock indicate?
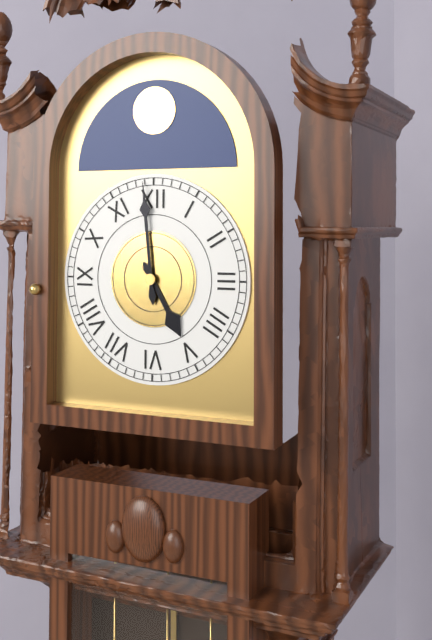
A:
4,59
